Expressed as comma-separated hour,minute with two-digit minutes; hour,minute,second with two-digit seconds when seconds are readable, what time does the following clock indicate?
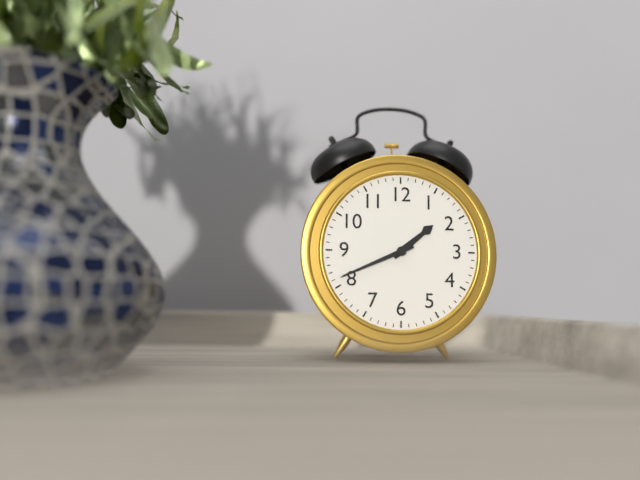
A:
1,41
